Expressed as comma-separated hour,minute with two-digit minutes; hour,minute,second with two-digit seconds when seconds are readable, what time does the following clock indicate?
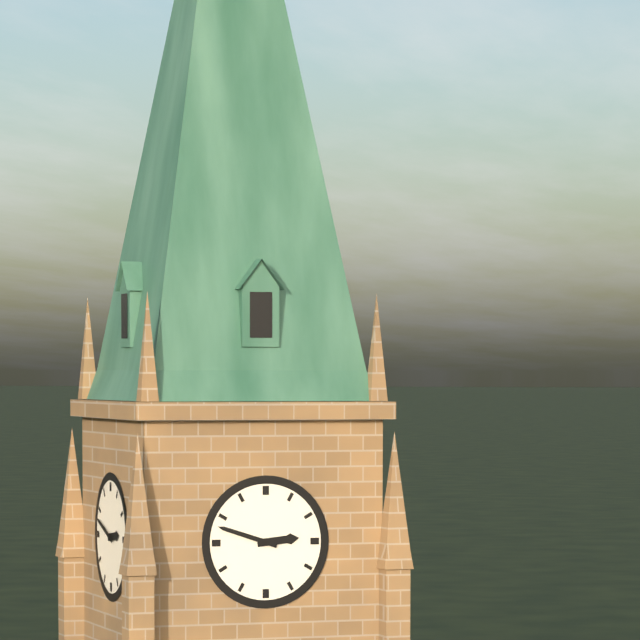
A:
2,48
